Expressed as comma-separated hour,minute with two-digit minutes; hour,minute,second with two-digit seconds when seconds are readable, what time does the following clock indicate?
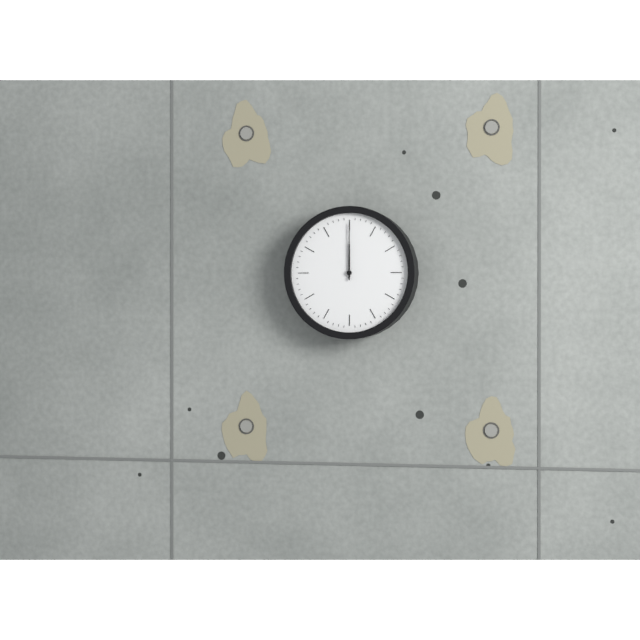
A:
12,00
